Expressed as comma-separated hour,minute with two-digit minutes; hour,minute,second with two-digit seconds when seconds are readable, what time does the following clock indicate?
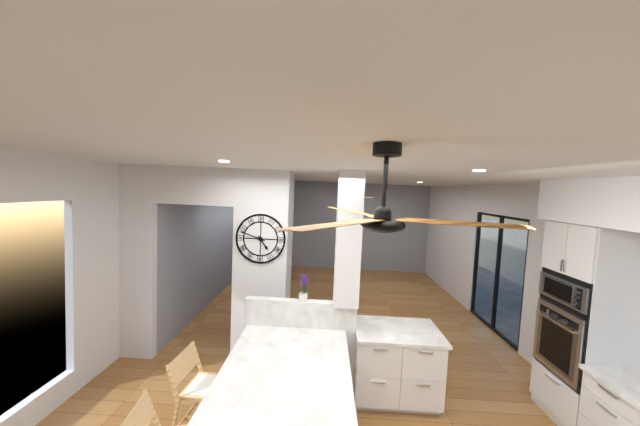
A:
4,48
